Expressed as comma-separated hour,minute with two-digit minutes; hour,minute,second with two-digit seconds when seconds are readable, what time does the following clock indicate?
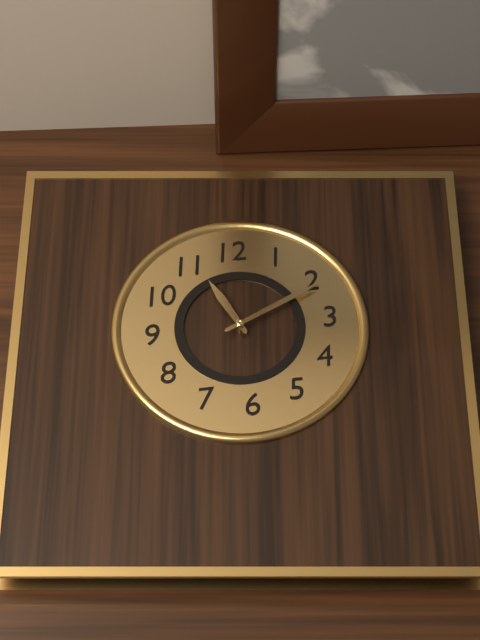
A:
11,11
